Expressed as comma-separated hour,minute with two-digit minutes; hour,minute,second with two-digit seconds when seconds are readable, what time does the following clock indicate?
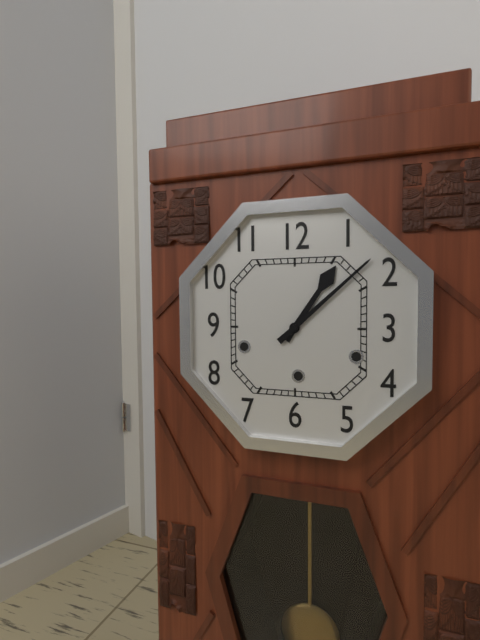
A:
1,08
